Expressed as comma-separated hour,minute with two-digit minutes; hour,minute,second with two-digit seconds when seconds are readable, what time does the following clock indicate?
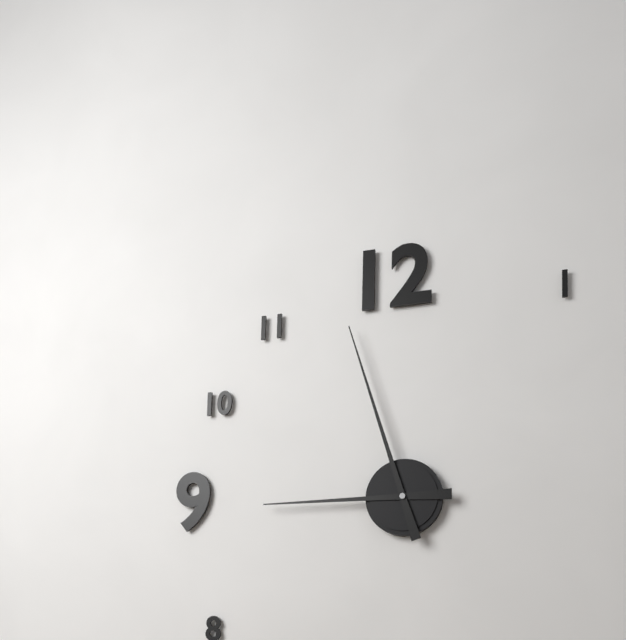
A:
8,57
